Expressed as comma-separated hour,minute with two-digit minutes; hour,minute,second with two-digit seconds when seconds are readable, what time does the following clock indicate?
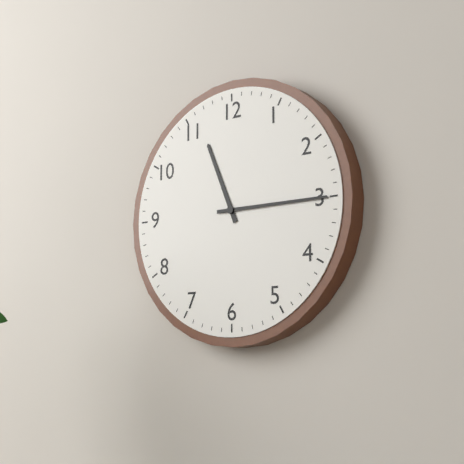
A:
11,15
